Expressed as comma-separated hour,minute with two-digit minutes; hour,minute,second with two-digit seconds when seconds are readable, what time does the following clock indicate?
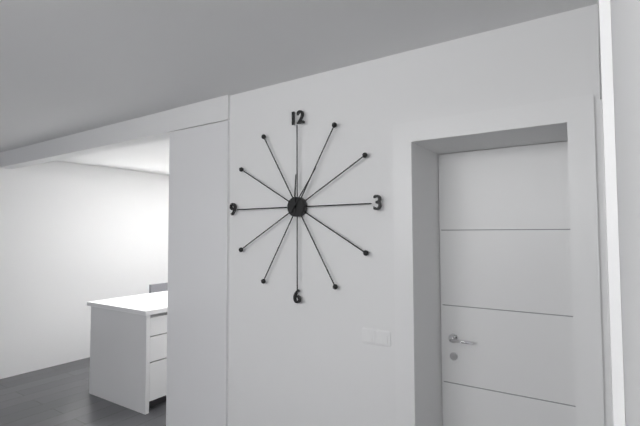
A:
12,06
